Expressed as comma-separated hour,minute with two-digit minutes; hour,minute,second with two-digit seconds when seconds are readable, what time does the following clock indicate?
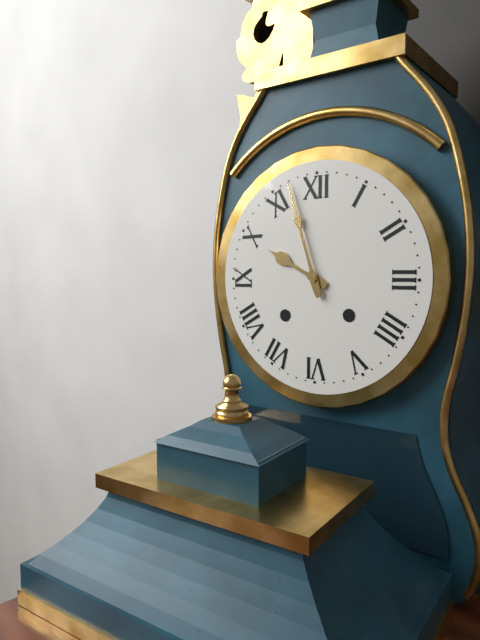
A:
9,57
